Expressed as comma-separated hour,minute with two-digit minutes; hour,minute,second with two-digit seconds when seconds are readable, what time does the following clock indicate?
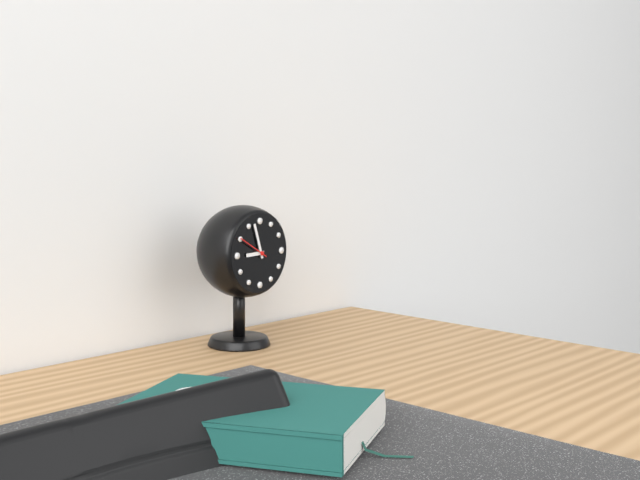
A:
8,57
